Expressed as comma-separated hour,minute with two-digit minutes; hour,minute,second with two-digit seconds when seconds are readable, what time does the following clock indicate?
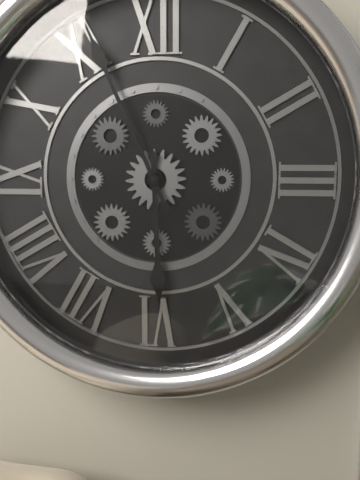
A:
5,56
